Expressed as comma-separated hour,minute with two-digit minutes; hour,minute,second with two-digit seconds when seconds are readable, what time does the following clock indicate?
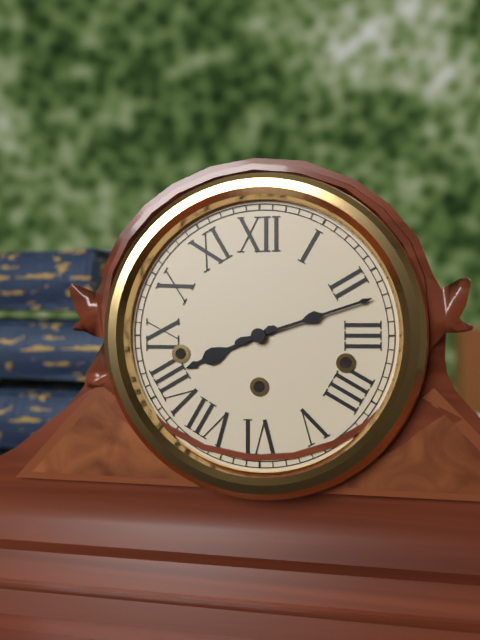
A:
8,12
